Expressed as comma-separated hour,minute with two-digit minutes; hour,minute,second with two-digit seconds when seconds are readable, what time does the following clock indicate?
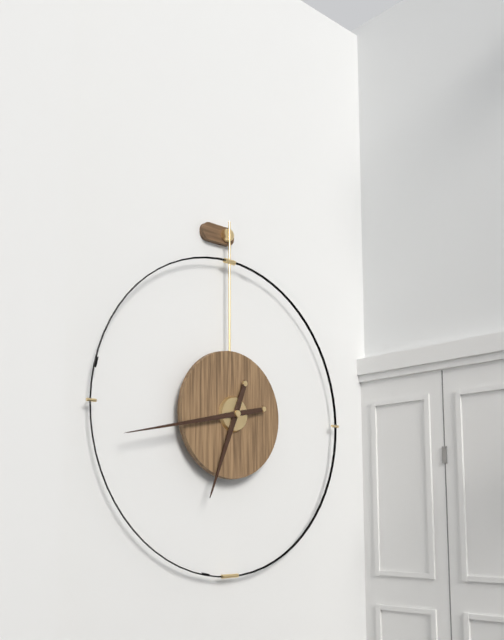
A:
6,43
